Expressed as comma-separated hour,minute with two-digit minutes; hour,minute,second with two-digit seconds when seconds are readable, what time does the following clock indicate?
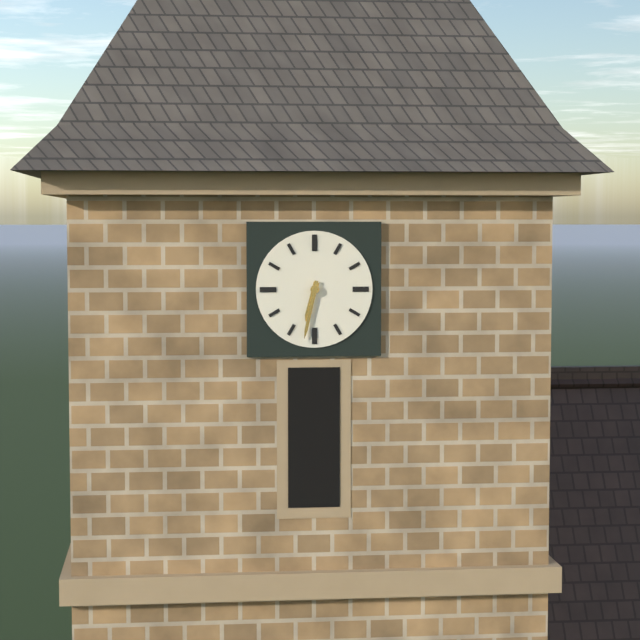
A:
6,32
